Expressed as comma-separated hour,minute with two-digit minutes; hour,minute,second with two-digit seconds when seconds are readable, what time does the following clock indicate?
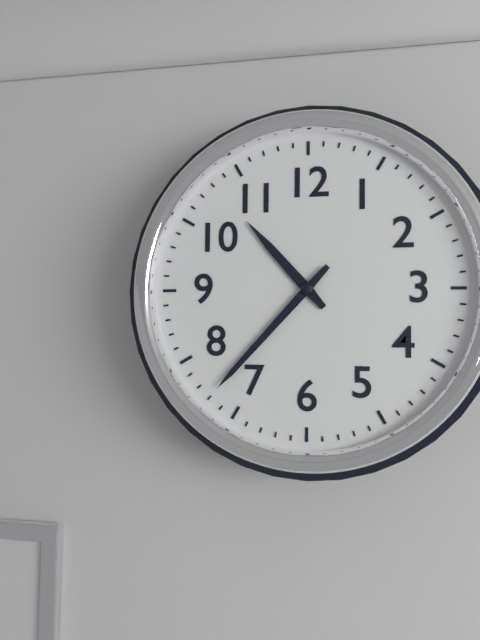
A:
10,37
